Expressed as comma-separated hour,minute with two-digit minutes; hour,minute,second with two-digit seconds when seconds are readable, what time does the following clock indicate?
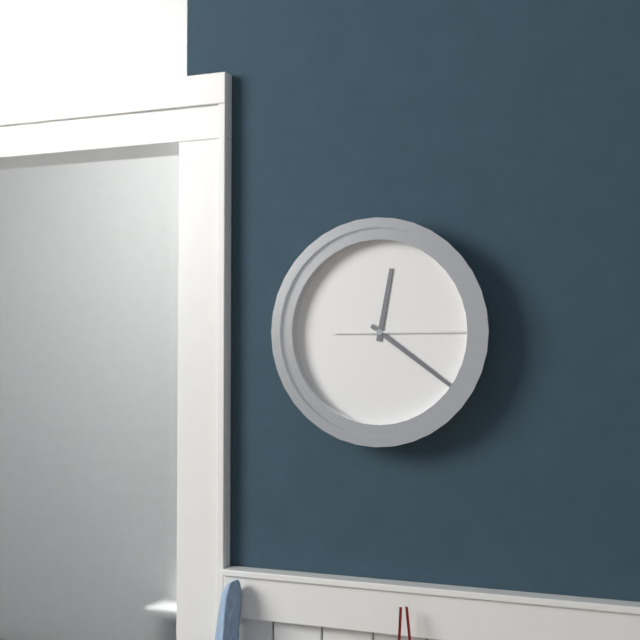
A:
12,21,15
